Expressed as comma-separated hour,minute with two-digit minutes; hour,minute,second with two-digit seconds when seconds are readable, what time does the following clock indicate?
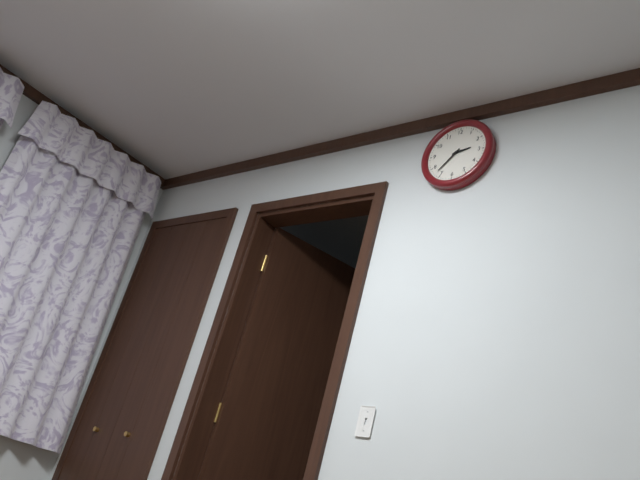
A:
2,37
